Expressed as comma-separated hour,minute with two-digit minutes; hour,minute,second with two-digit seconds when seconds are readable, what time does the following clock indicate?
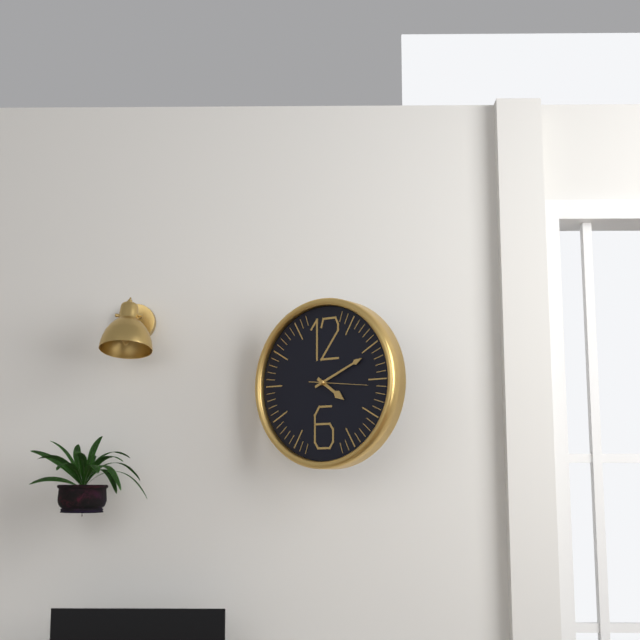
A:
4,11,16
